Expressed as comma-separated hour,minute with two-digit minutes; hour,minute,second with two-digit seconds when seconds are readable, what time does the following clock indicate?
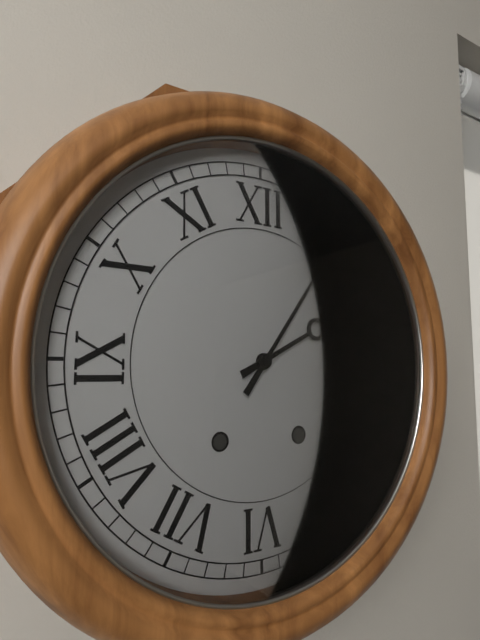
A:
2,06
